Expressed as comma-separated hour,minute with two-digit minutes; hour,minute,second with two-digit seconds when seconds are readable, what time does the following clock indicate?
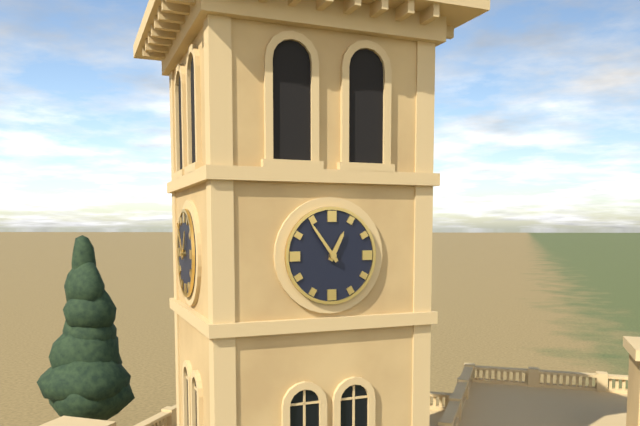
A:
12,54
